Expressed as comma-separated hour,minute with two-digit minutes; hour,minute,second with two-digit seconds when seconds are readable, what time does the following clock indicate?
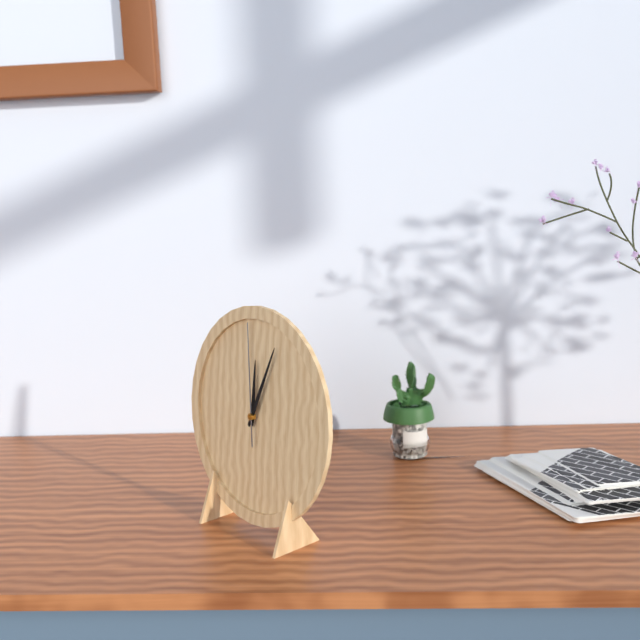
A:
12,04,59
